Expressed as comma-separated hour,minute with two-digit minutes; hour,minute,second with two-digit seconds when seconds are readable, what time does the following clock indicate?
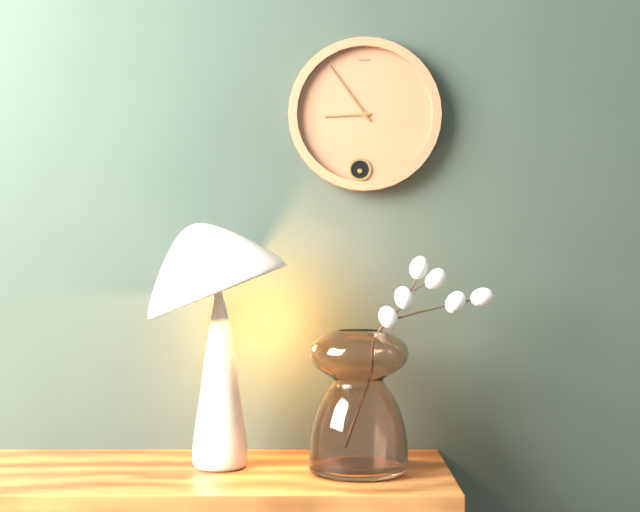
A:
8,54
